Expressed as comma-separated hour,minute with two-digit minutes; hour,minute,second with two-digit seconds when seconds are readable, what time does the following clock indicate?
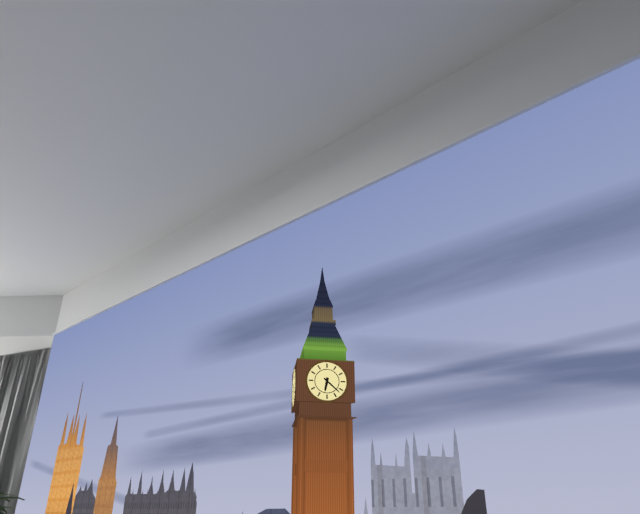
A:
6,22
